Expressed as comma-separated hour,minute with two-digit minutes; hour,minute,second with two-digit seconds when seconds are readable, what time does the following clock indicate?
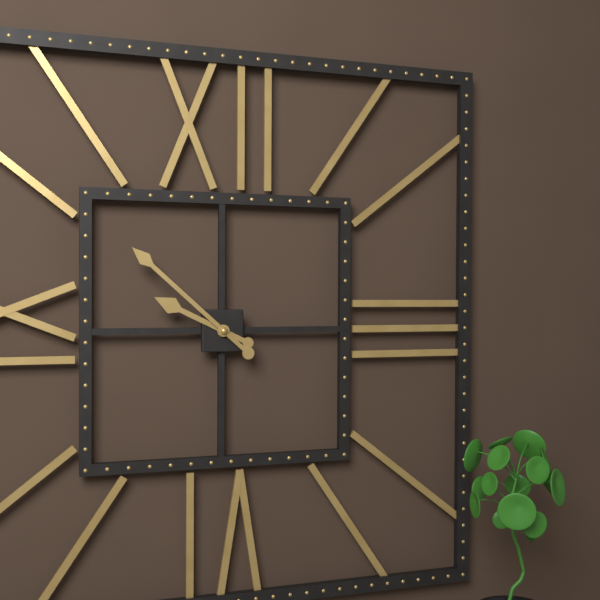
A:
9,52
